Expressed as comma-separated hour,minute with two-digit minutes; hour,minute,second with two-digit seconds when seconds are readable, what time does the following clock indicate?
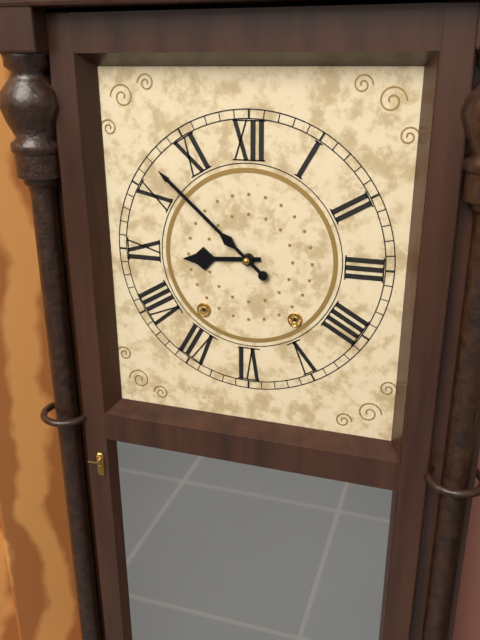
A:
8,52
